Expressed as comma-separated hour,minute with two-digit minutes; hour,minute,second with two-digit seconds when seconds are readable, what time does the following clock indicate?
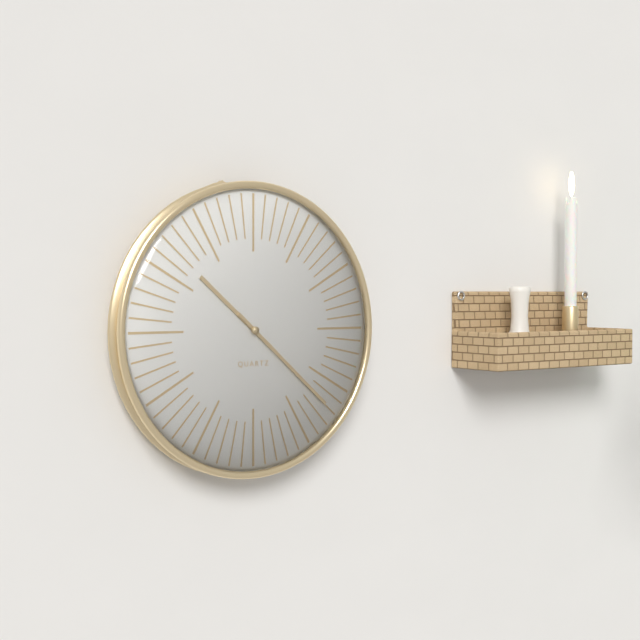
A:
10,22
